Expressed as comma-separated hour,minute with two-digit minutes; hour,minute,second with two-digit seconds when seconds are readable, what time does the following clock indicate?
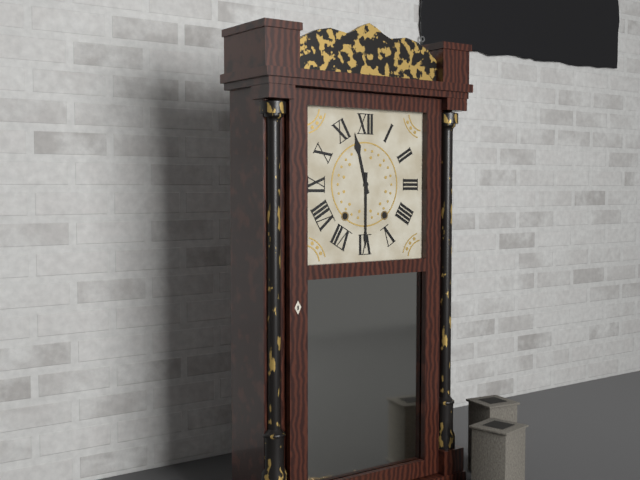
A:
11,30
